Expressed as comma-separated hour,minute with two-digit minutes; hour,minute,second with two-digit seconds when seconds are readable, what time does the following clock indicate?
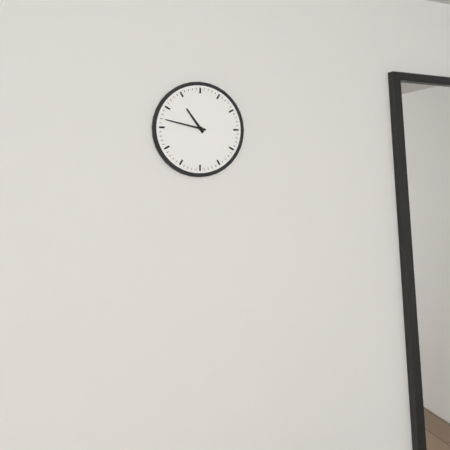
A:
10,47
